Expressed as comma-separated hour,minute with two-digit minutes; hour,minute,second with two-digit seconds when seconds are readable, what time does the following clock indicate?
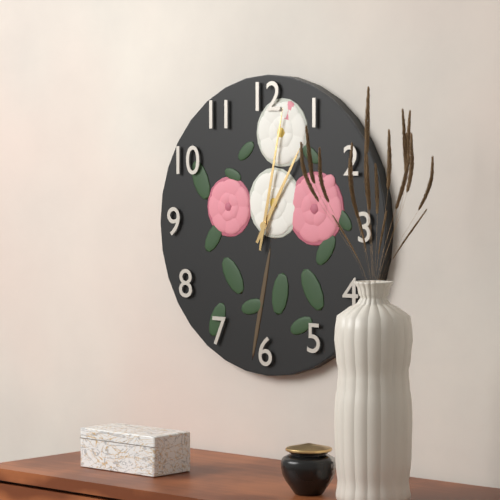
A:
1,02
